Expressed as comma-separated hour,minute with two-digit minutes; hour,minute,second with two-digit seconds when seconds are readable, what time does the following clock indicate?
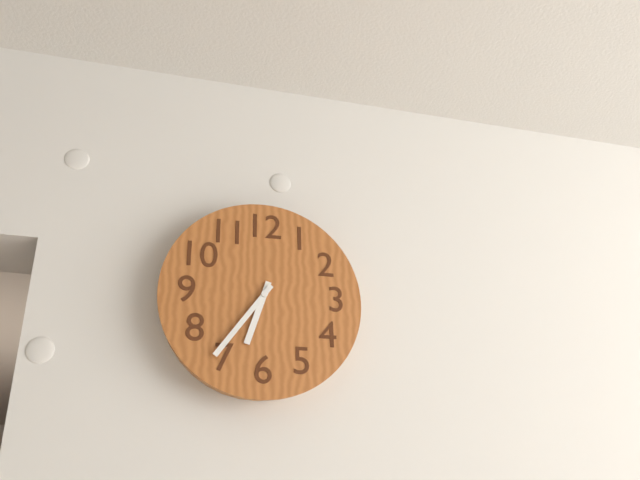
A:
6,36
